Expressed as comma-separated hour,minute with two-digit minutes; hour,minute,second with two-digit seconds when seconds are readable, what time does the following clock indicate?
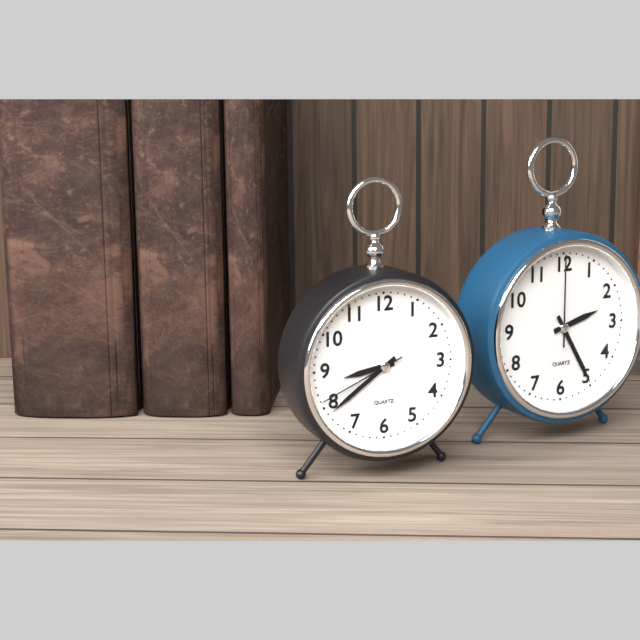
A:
8,39,41
